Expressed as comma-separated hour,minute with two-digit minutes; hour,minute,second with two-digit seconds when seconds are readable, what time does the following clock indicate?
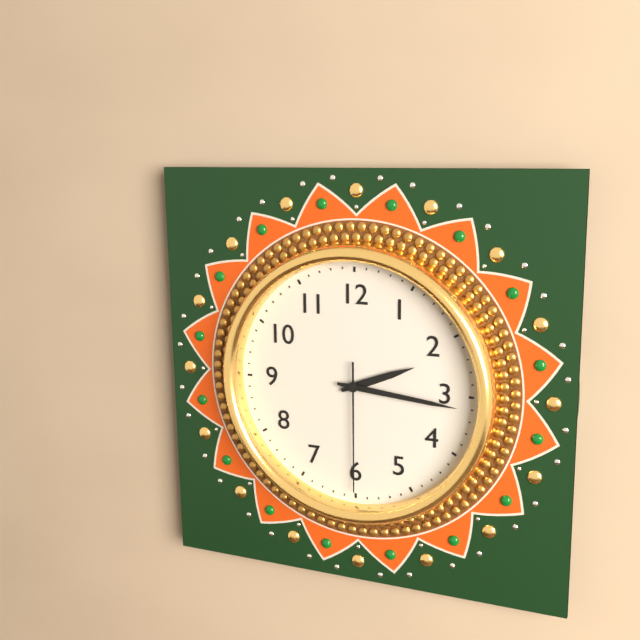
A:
2,16,30
